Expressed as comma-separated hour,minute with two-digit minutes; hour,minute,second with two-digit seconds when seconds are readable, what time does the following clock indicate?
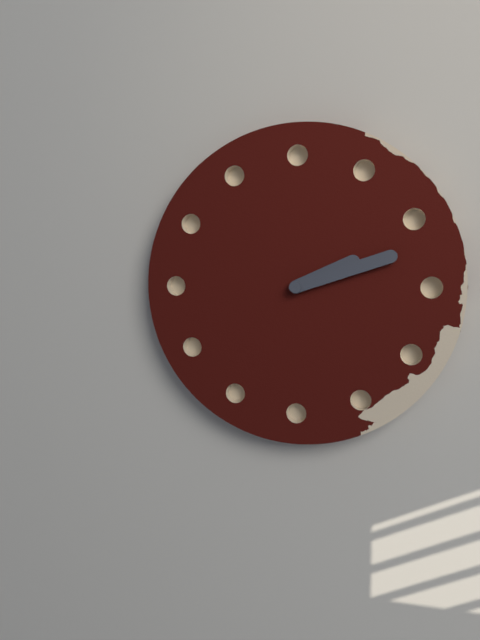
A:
2,12
